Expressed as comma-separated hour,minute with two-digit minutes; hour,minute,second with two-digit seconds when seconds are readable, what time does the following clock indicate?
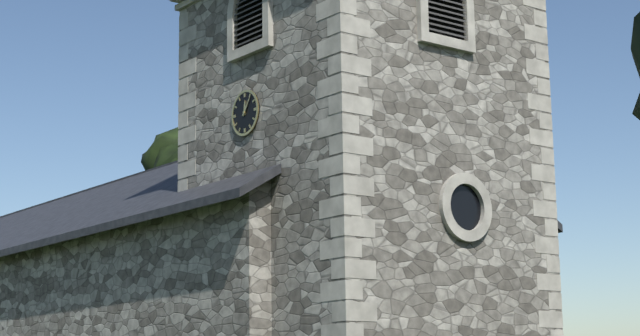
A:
12,06
